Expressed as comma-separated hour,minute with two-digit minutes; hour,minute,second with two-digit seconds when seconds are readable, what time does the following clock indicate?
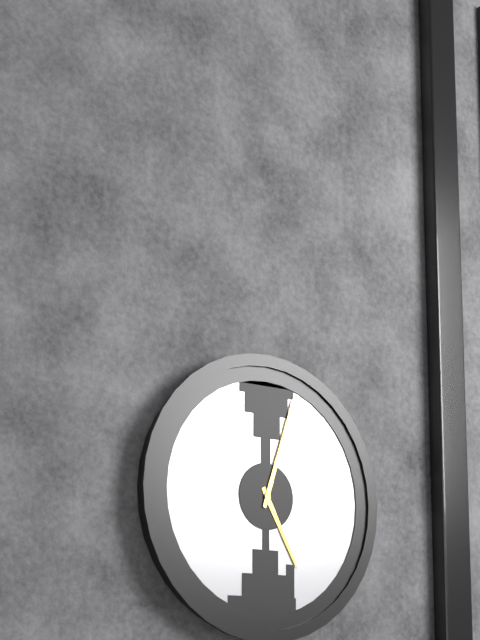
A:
5,03
